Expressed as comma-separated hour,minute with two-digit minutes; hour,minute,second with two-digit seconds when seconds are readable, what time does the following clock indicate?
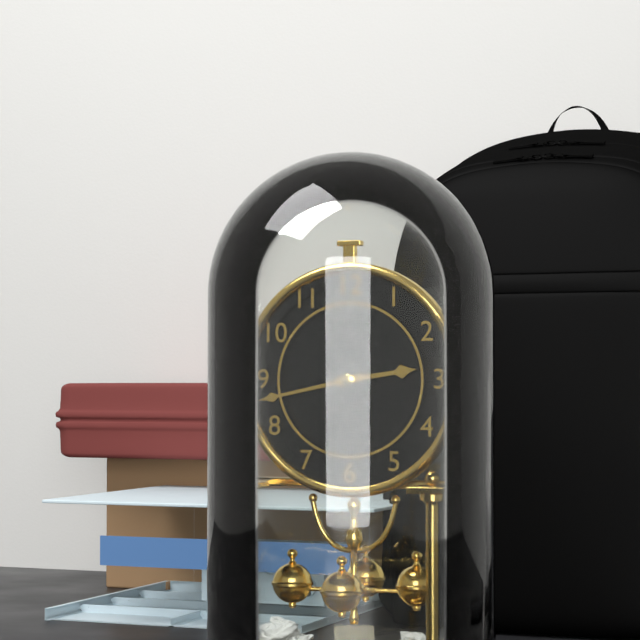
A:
2,43
